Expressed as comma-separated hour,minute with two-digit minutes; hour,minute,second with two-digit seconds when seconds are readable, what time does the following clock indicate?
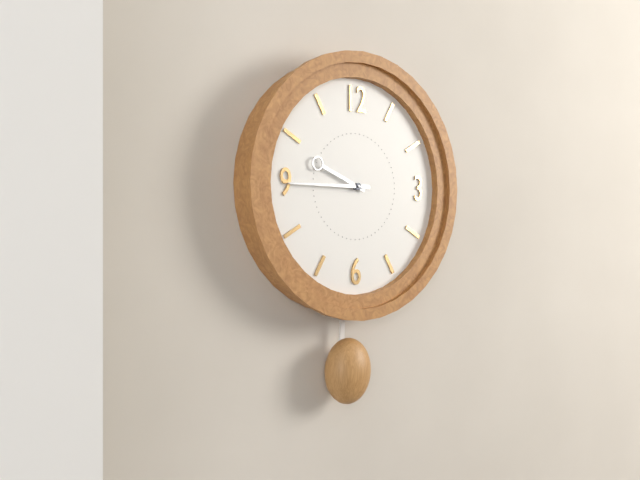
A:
9,45
